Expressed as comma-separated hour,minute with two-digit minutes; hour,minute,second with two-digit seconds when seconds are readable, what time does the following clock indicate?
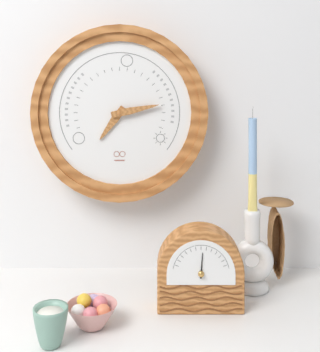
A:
7,13
